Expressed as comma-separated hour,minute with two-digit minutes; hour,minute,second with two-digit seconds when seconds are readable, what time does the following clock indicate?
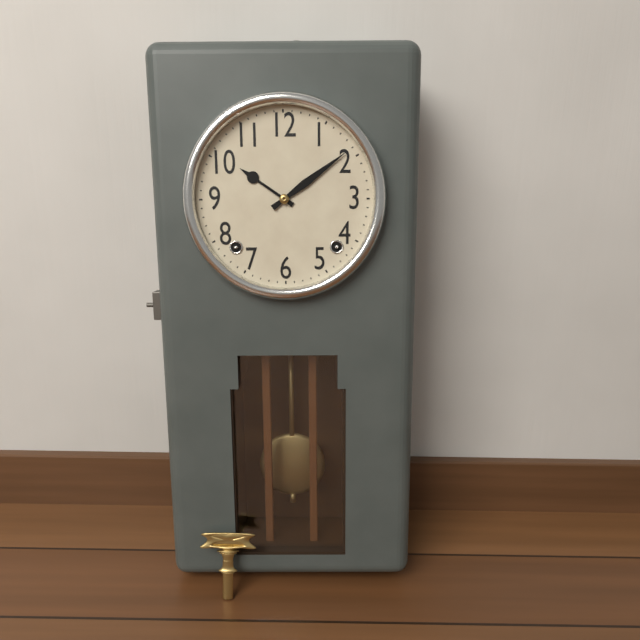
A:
10,09
